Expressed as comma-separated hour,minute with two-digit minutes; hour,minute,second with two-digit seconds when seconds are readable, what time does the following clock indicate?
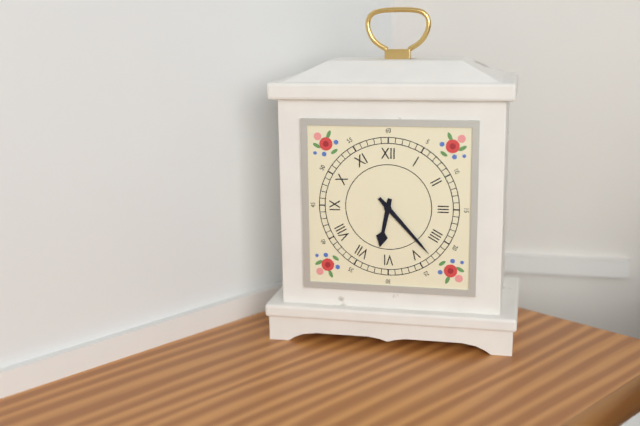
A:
6,23
